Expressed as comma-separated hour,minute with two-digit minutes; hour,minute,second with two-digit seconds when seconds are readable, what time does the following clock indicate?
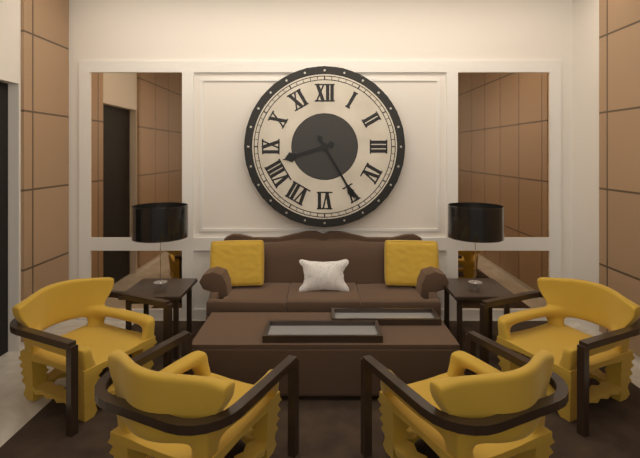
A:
8,25
